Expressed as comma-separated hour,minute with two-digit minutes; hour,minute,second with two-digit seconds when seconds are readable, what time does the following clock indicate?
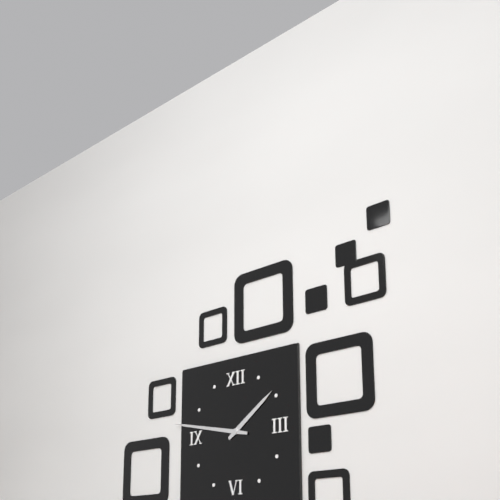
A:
1,47
